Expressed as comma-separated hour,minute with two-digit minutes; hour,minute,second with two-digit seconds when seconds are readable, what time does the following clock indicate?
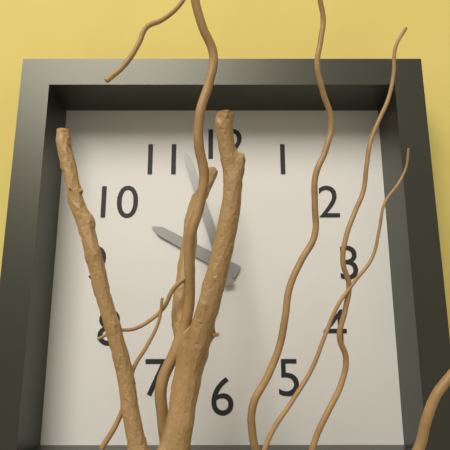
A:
9,57
